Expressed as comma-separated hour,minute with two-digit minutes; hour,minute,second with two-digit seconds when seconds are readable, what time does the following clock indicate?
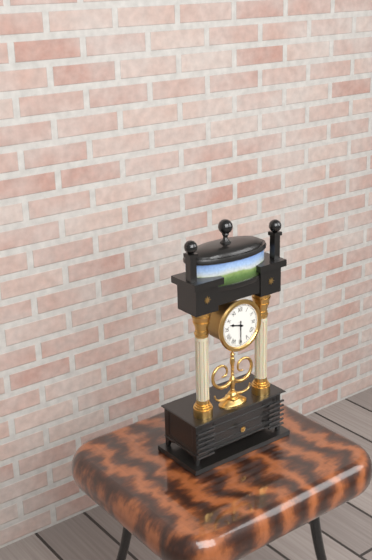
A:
9,30
